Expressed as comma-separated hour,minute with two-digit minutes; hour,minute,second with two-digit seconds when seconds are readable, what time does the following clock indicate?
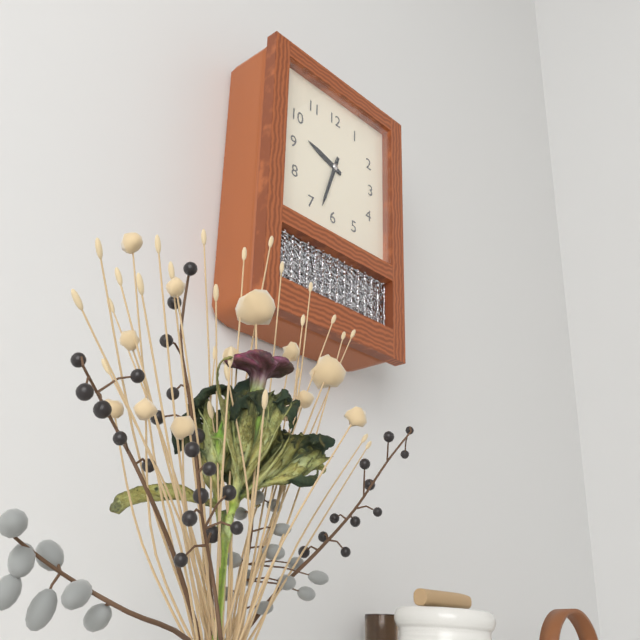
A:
9,33
